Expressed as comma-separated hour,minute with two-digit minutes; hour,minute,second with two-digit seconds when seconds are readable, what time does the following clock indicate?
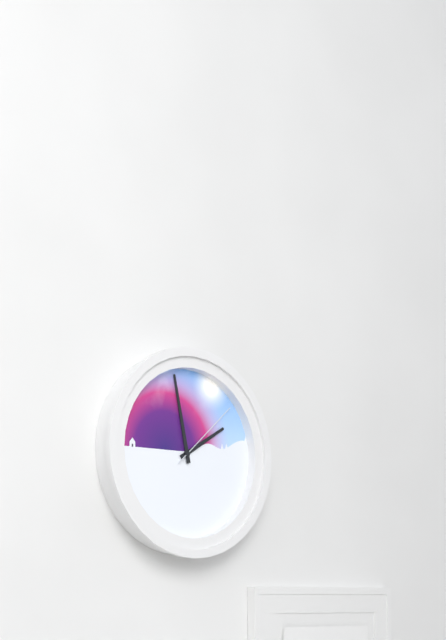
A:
1,58,08
